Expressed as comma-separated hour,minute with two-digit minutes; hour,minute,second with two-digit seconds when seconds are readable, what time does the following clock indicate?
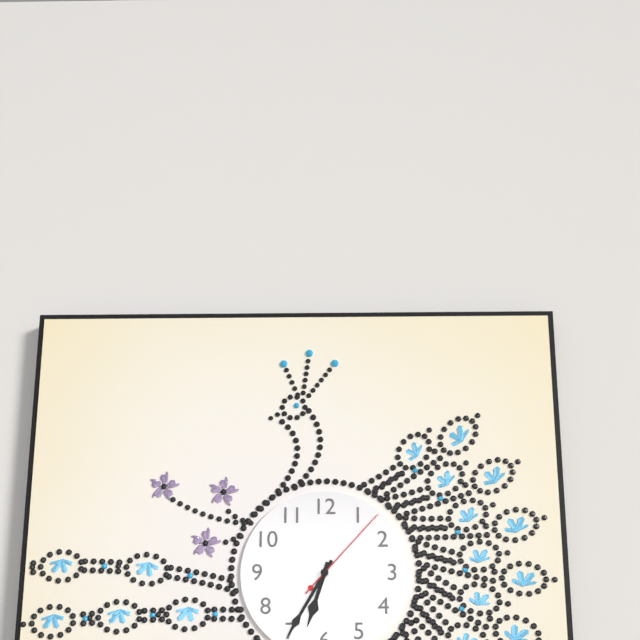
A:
6,35,07
